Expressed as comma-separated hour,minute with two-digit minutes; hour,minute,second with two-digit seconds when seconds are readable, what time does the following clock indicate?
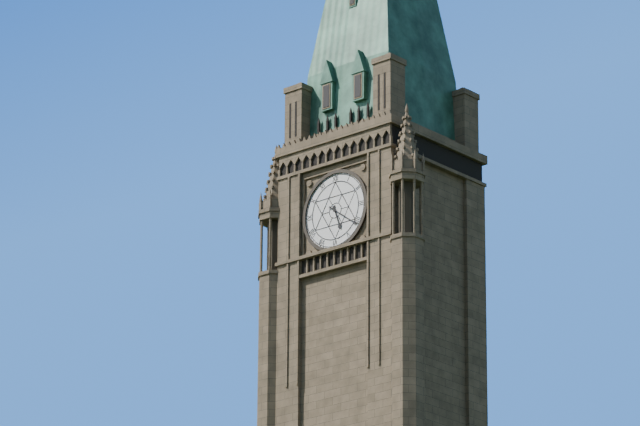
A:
5,21
